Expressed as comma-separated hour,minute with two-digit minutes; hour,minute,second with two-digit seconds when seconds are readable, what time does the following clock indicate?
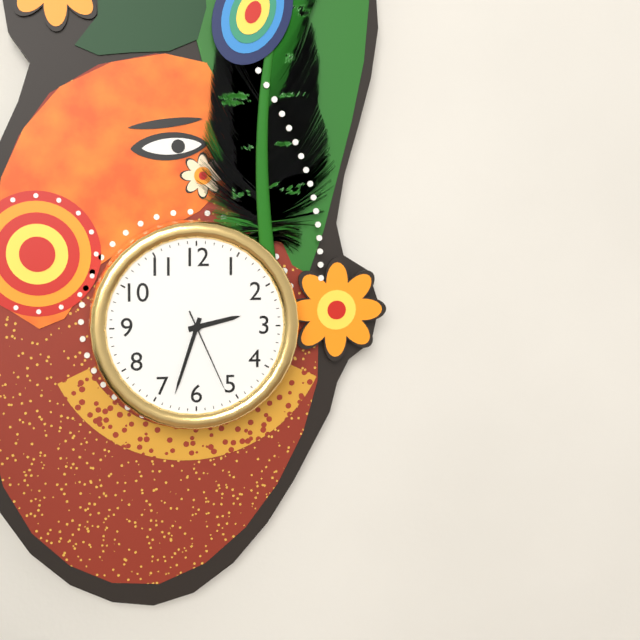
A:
2,33,26
